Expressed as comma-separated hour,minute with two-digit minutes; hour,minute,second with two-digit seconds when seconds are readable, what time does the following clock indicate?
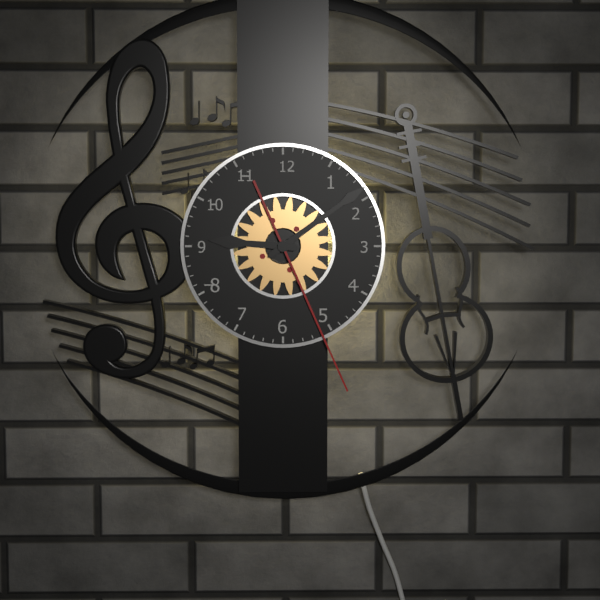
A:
9,09,26
